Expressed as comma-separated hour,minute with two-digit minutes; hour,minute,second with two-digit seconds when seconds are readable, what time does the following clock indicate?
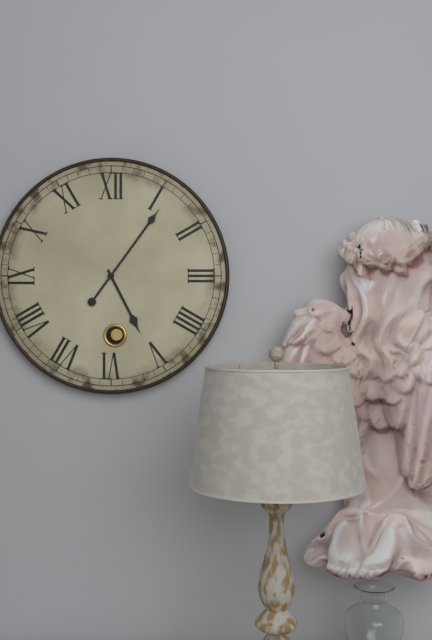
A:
5,06
